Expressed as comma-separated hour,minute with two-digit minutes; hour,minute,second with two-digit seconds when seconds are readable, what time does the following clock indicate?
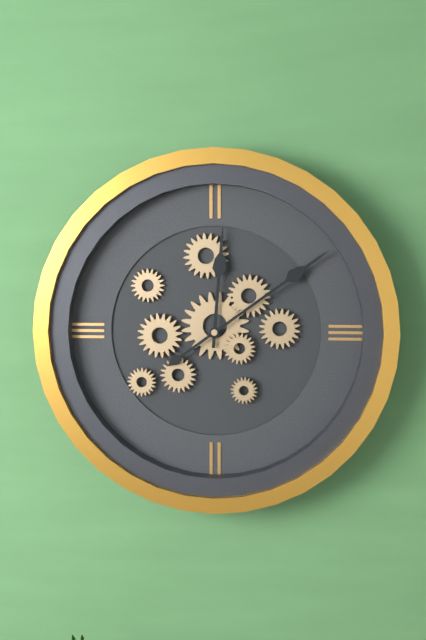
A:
12,09
